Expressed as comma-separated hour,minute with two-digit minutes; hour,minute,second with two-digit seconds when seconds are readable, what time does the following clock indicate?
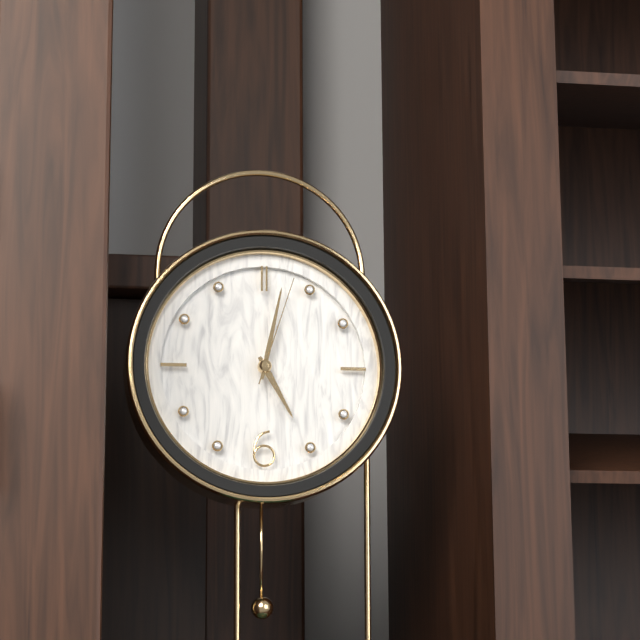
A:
5,02,03
